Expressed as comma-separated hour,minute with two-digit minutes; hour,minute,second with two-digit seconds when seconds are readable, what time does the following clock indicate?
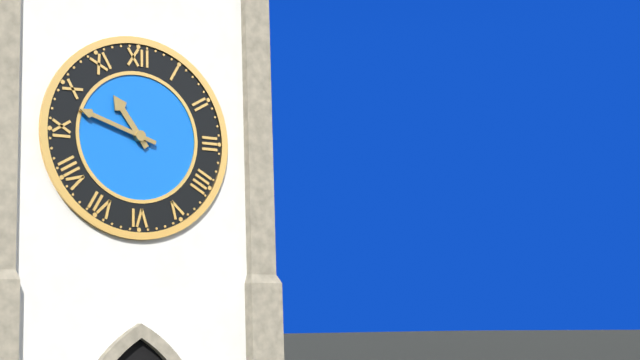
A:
10,48
